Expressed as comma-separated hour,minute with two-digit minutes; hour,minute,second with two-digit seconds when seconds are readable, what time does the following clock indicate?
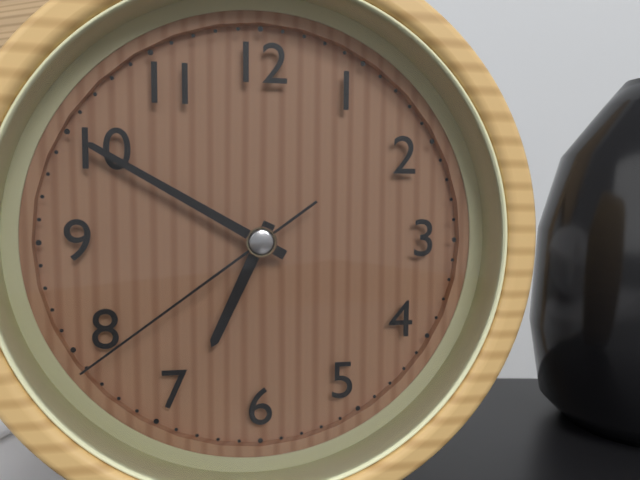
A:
6,50,39
